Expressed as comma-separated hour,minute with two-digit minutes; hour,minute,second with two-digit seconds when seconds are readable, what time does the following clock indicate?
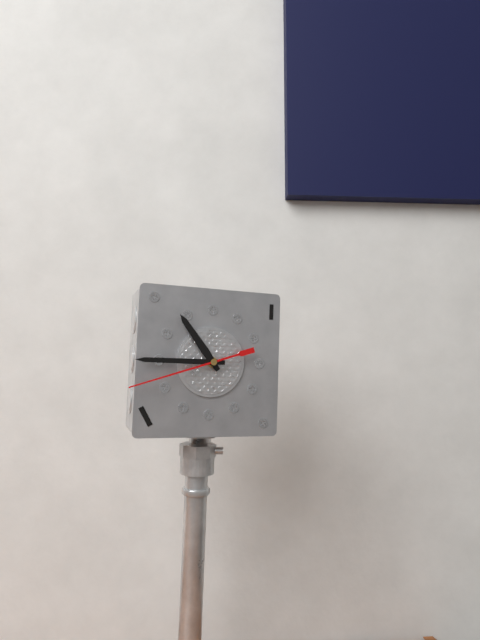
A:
10,45,42
